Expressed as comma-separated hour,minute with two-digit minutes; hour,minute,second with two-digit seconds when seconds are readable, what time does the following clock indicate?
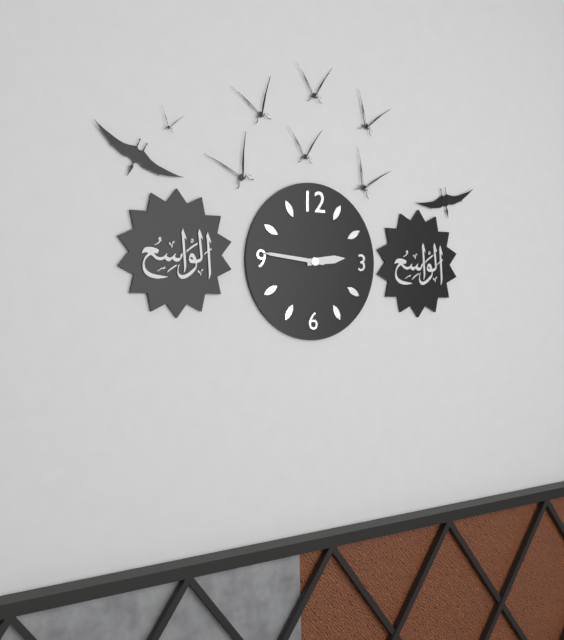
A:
2,46
